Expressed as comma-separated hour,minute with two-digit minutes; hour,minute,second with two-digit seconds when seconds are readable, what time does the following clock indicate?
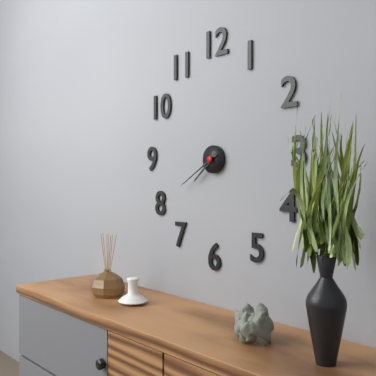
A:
7,40
